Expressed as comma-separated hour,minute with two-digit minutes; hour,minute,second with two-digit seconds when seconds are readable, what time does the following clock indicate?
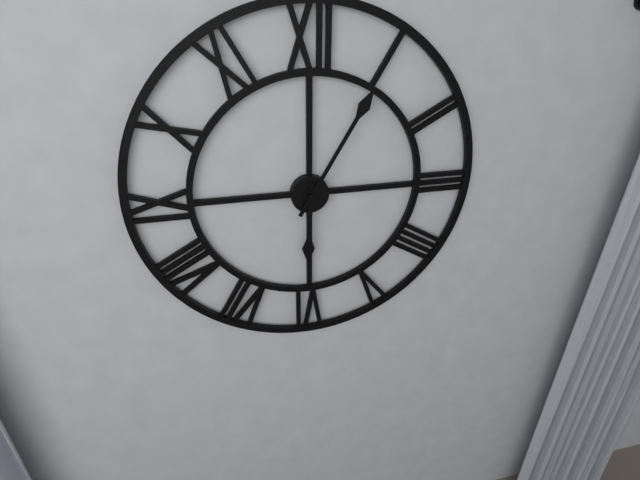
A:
6,05
